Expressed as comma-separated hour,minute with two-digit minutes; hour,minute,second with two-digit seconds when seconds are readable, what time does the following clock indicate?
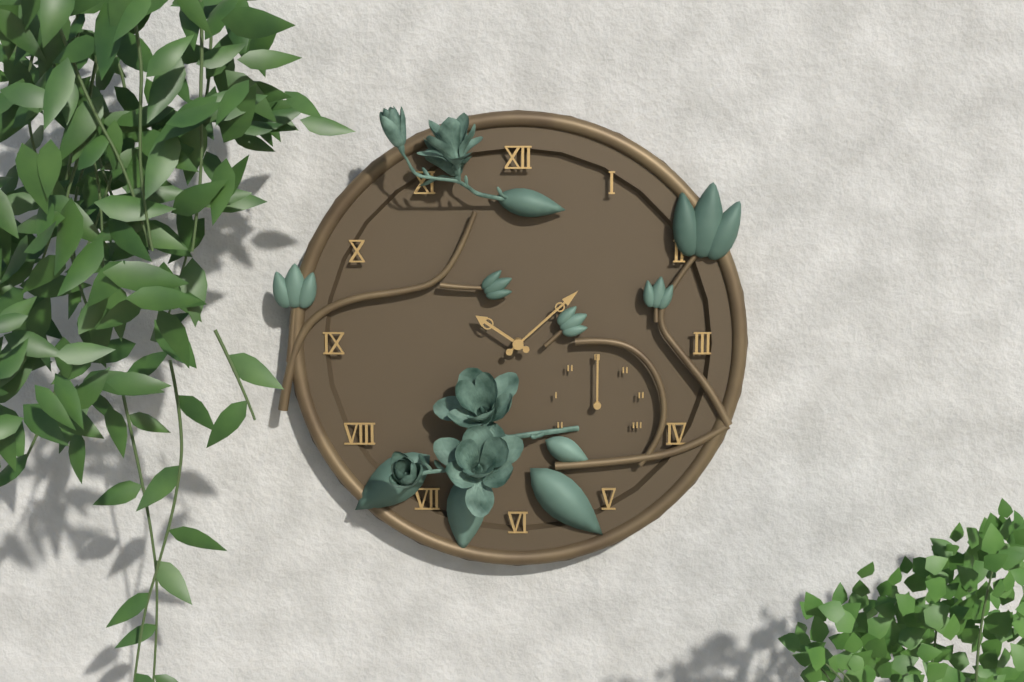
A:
10,08
